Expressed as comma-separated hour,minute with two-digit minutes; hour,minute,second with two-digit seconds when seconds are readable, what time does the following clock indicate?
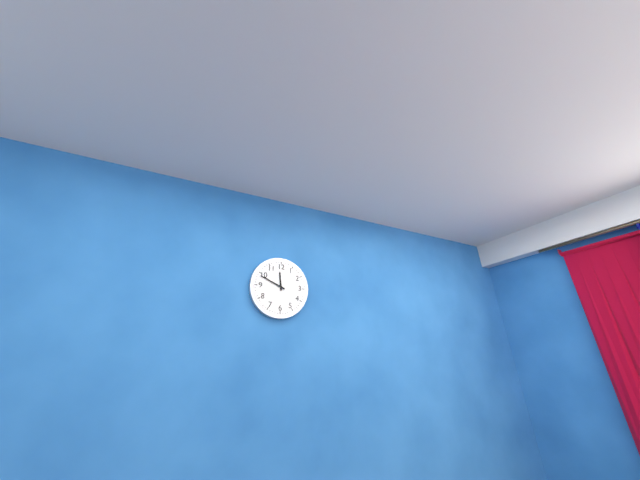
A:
11,49
